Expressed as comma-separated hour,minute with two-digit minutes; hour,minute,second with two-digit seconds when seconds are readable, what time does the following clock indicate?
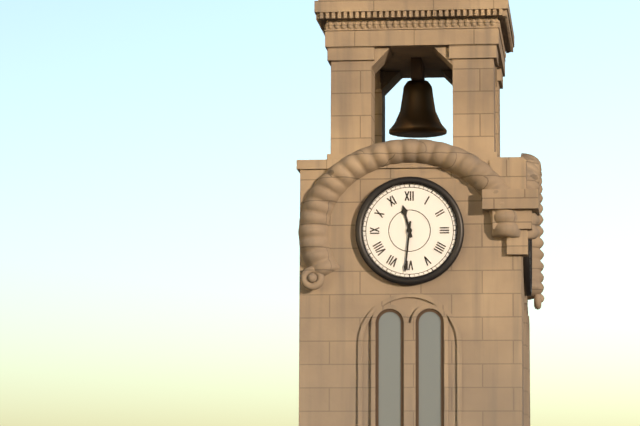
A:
11,31
